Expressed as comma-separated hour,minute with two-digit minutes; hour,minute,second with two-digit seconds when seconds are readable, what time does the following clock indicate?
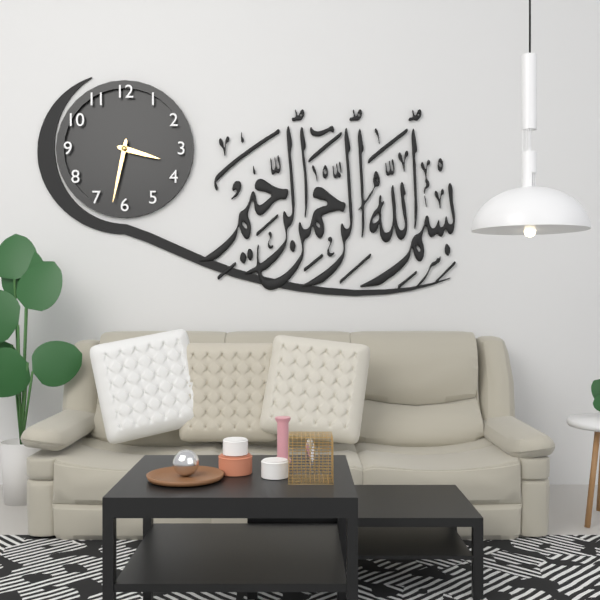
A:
3,32
